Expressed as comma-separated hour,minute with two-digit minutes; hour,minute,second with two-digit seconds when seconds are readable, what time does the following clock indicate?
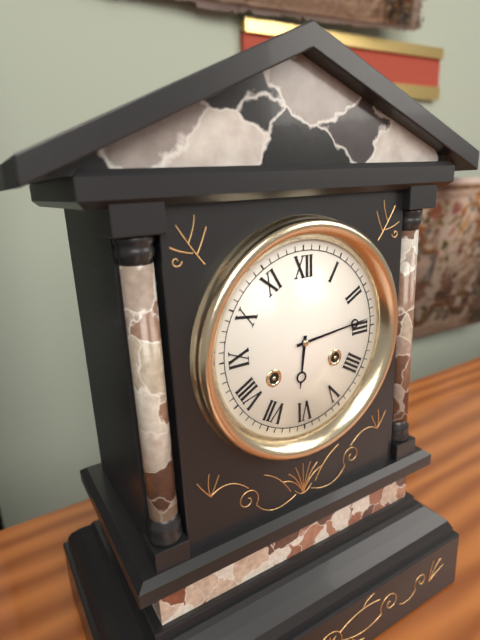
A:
6,14
